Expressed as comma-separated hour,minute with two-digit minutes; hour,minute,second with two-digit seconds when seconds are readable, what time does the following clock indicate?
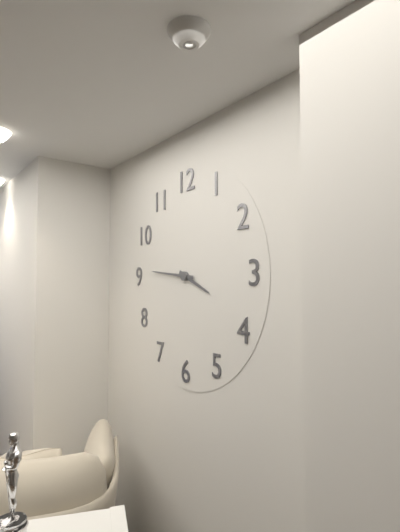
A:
3,46
